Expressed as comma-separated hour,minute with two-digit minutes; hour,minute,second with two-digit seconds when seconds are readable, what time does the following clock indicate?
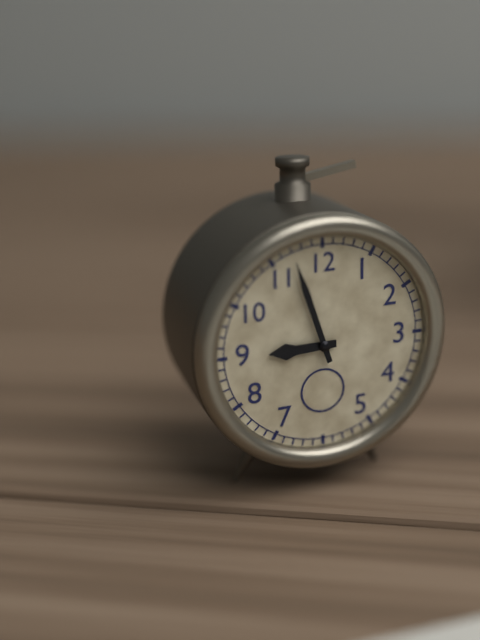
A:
8,57
